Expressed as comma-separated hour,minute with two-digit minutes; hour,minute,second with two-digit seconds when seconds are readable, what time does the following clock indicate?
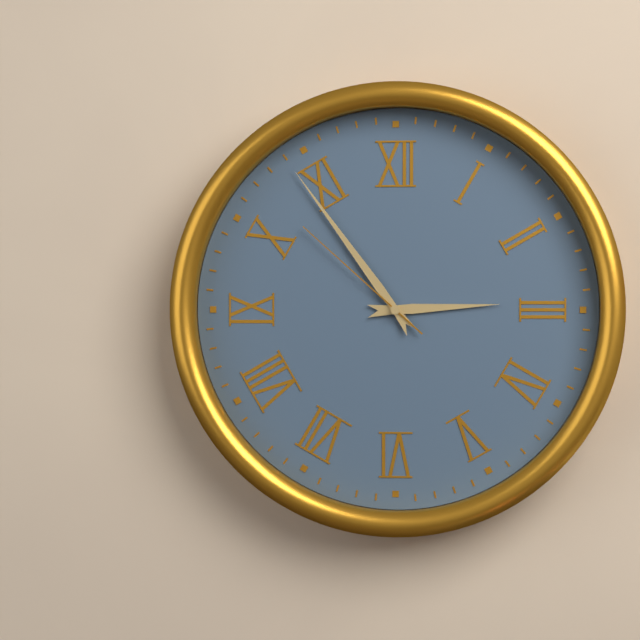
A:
2,54,52
